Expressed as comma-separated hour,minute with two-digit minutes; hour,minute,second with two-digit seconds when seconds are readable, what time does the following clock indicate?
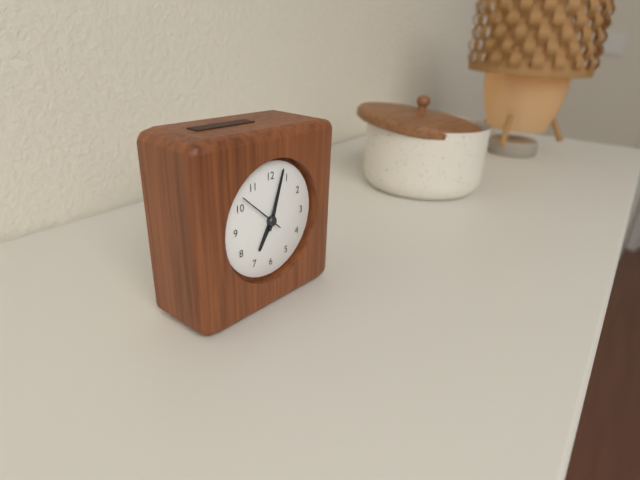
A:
7,03
